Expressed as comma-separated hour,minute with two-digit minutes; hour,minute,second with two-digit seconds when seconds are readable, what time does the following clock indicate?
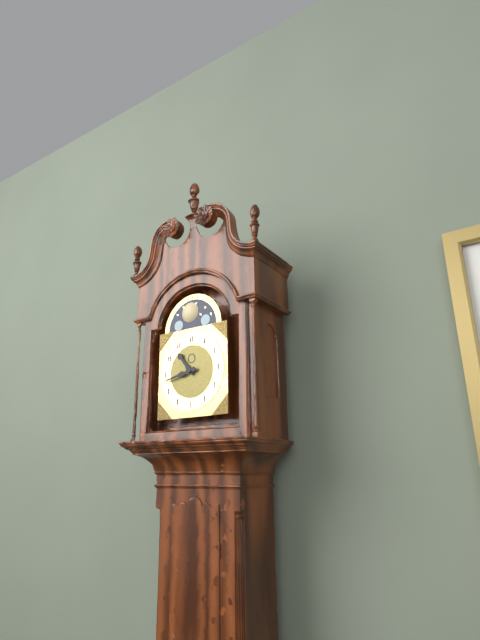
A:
10,43
